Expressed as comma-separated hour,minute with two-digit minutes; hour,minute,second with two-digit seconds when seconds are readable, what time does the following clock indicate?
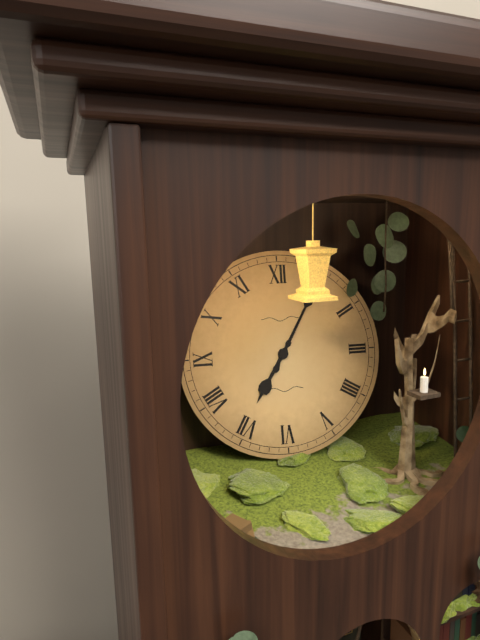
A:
7,05
